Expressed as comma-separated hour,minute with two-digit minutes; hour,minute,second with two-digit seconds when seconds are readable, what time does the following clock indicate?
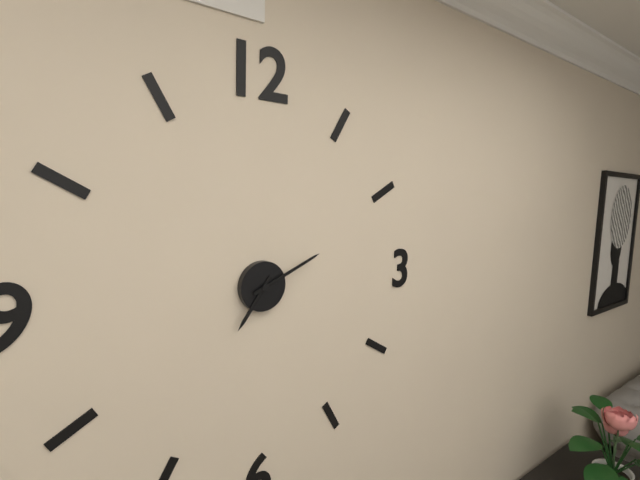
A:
7,11
